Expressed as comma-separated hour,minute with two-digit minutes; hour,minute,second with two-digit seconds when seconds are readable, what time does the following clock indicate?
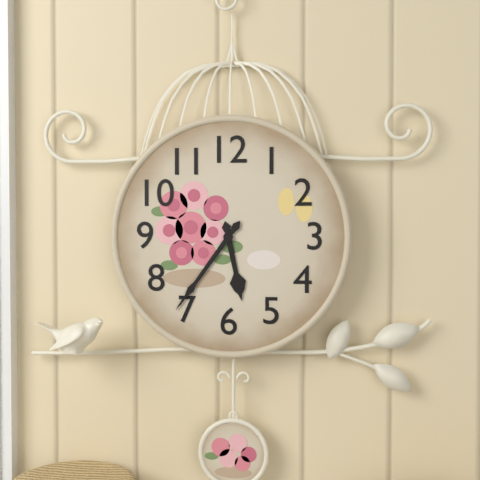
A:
5,36
